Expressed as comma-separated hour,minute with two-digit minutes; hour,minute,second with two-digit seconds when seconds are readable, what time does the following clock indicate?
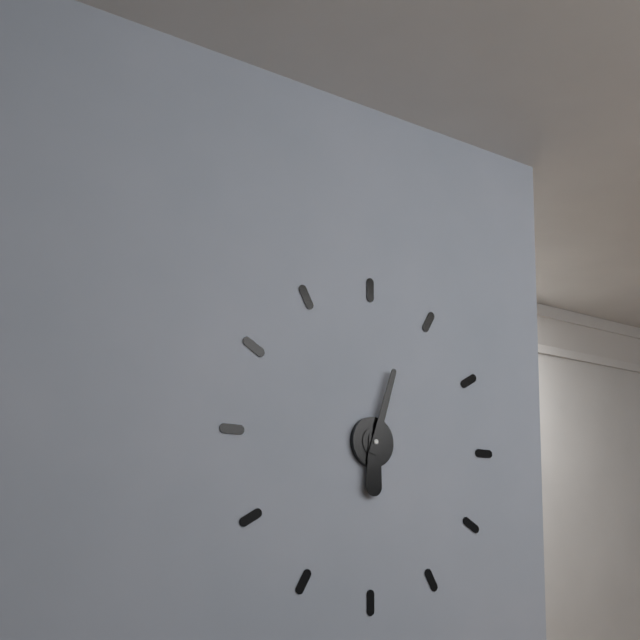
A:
6,03
